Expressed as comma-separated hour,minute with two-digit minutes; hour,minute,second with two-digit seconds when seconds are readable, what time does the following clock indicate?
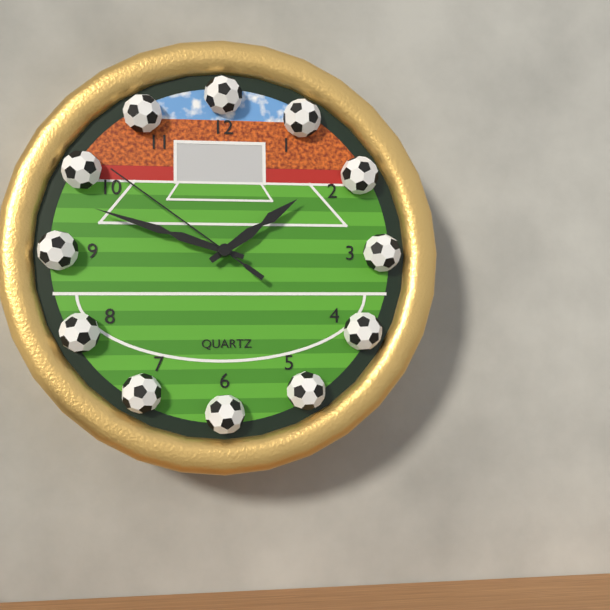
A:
1,48,51
